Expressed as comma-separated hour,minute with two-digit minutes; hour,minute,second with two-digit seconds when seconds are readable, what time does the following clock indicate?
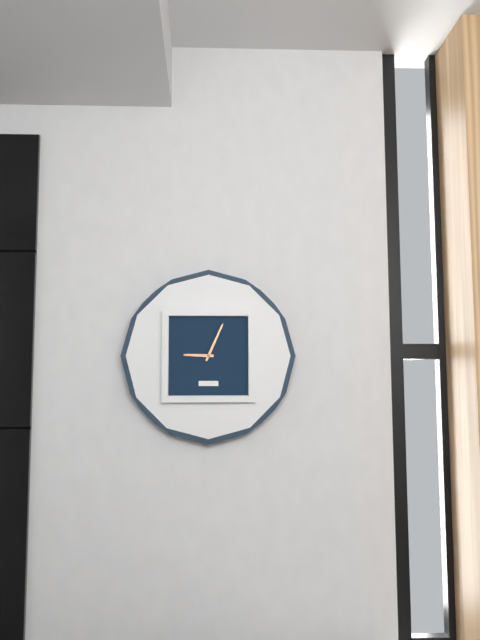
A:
9,04
